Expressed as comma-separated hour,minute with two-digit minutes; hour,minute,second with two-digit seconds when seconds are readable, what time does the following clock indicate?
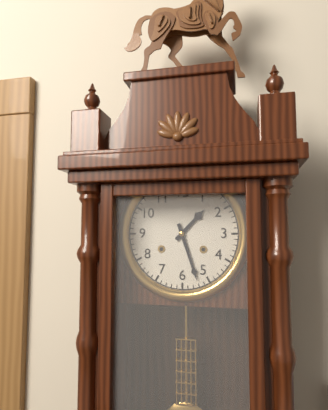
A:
1,27
